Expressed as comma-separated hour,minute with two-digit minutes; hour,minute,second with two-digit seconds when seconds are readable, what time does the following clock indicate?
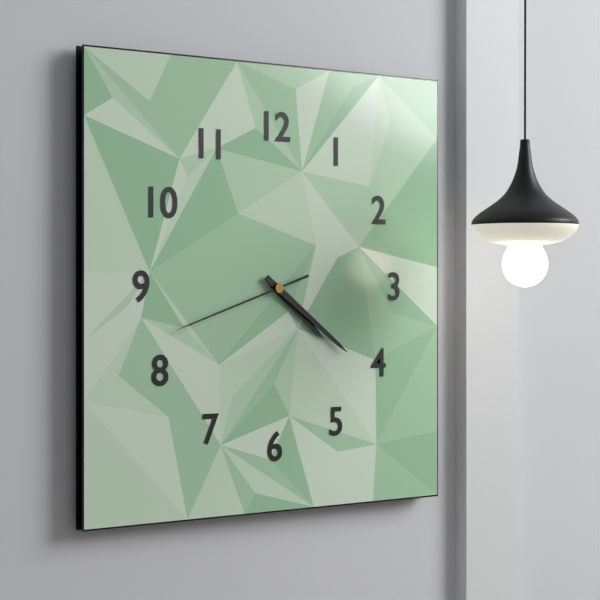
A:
4,21,42
